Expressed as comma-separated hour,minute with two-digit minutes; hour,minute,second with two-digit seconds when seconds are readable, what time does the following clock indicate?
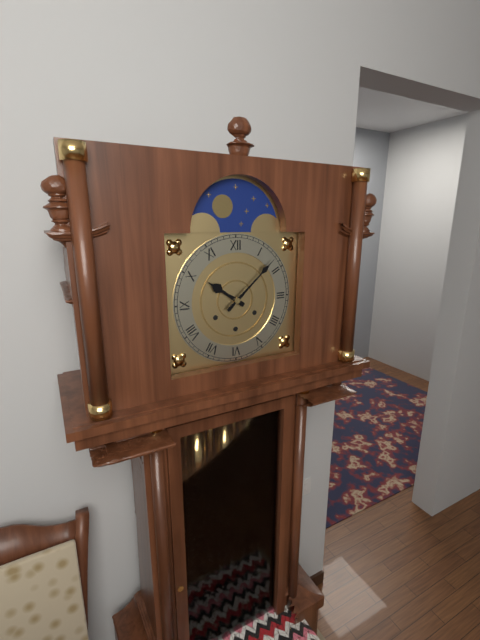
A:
10,08
